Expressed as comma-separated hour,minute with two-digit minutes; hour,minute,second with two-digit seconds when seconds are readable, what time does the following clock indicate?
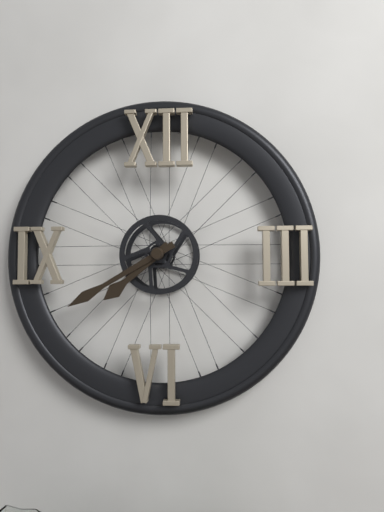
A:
7,40
